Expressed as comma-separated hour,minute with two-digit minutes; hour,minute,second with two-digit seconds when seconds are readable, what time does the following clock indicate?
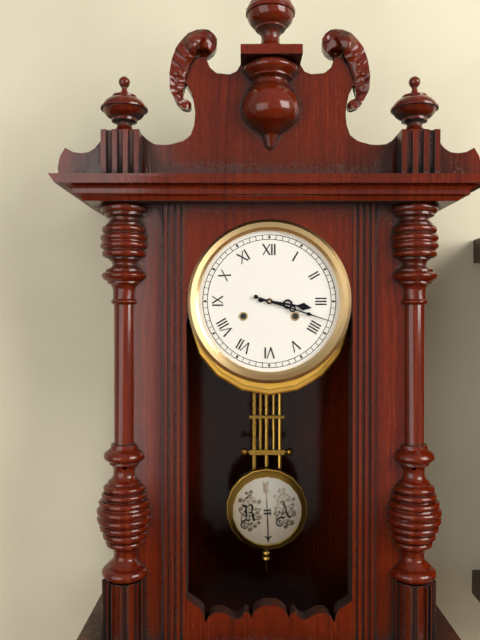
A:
3,18
